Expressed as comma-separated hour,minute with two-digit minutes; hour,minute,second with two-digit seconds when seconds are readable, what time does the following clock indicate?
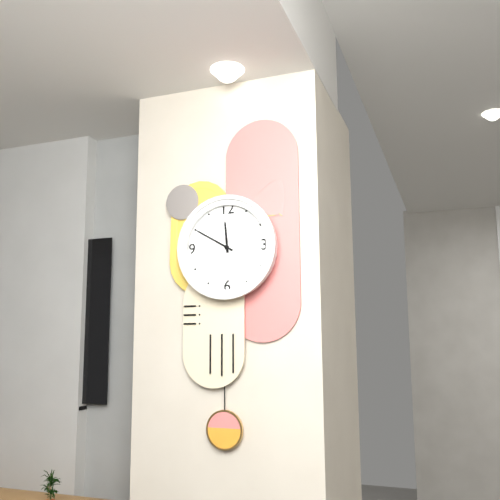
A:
11,50
